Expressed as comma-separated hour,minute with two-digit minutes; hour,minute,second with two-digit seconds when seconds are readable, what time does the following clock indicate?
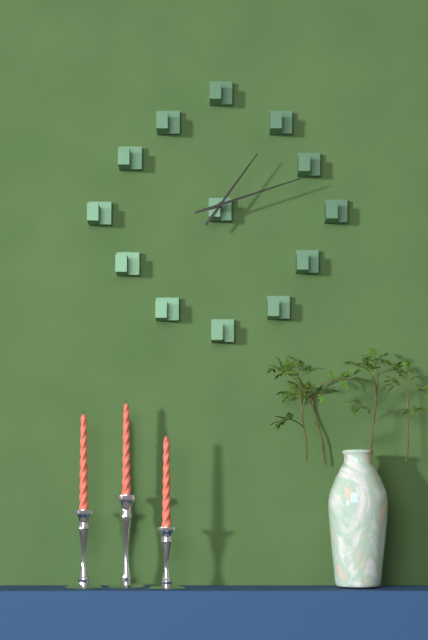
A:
1,12
